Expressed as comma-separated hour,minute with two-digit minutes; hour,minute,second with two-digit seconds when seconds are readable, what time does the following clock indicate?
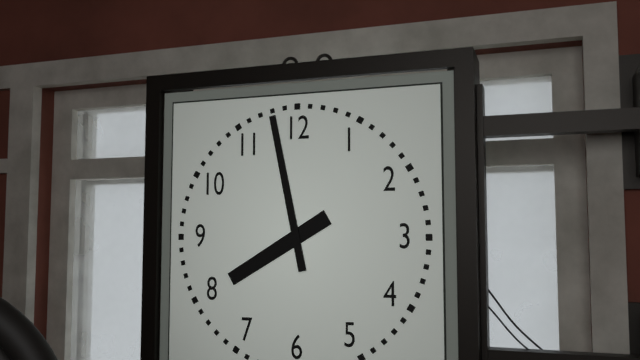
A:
7,58
